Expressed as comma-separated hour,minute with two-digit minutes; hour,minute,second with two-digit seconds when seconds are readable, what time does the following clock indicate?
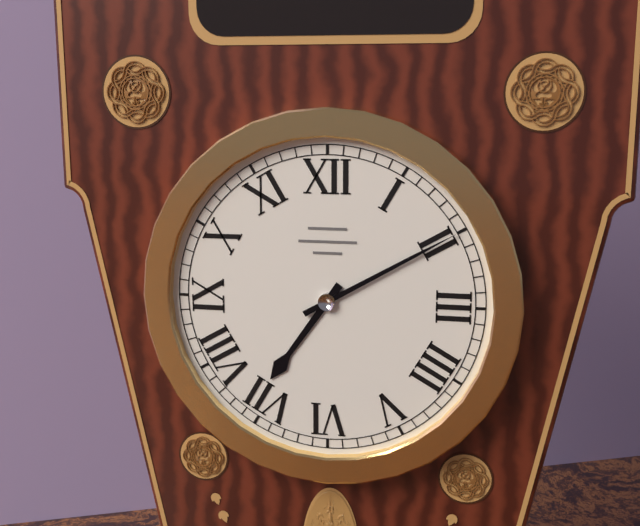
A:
7,10
